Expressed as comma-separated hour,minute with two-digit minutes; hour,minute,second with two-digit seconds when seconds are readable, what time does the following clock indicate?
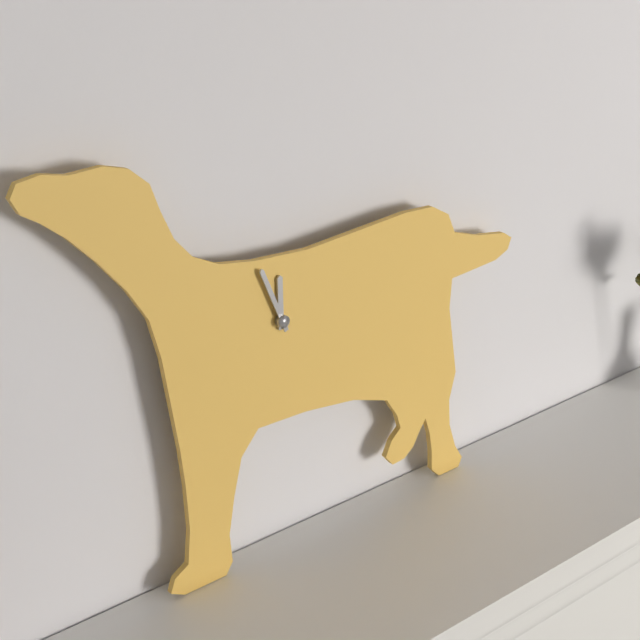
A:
11,56
